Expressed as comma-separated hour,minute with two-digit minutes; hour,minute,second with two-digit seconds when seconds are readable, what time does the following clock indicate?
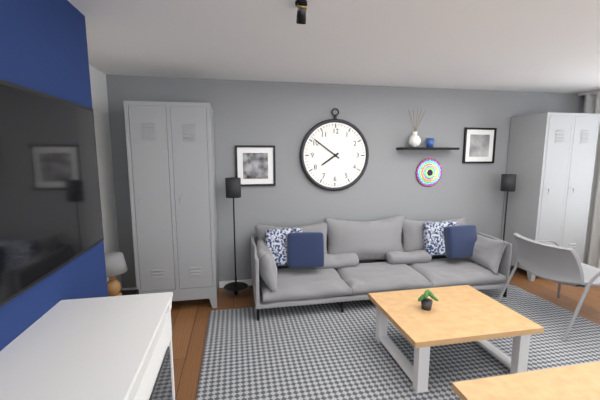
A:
7,51
